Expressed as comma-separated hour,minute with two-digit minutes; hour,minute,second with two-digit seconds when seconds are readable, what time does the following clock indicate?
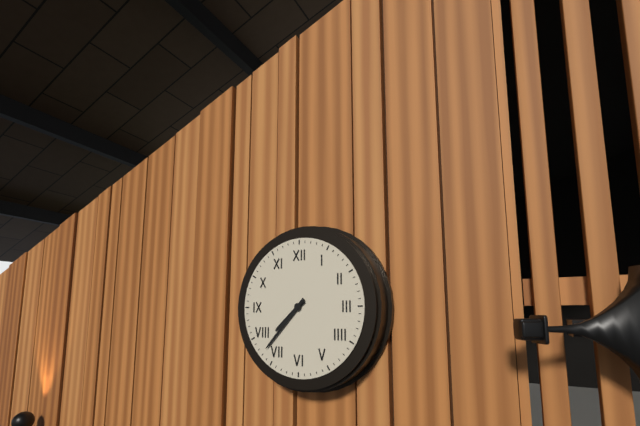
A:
7,37
